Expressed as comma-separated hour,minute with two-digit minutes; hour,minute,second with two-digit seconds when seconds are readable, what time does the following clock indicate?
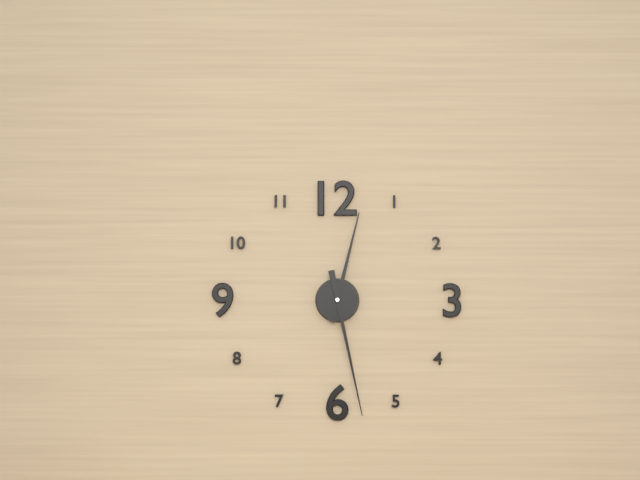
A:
12,28
